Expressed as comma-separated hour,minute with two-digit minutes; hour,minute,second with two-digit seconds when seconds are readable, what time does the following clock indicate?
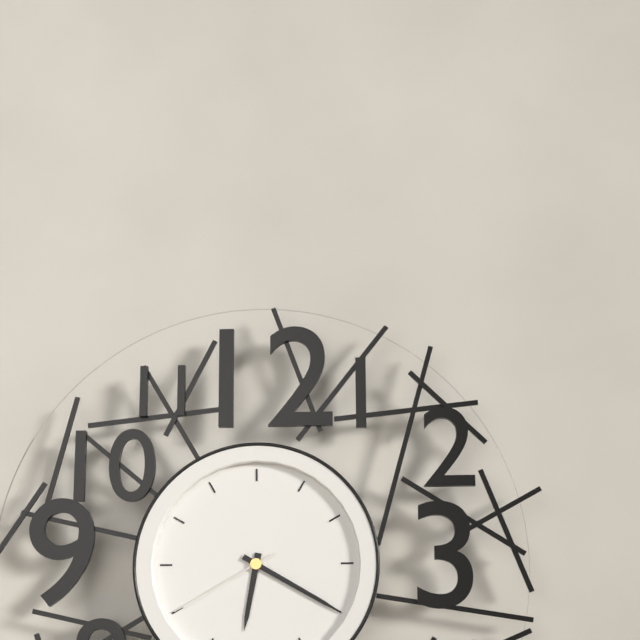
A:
6,20,40
